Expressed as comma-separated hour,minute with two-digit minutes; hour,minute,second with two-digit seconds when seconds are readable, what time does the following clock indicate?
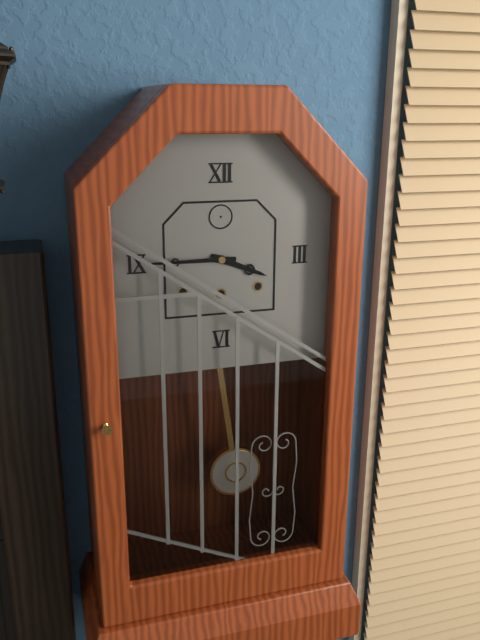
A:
3,45
